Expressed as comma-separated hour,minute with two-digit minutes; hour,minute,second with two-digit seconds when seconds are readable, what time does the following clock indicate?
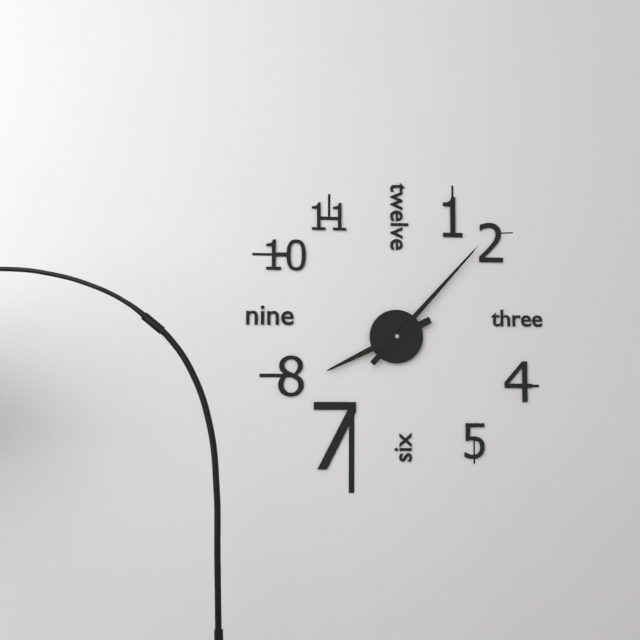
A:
8,07
